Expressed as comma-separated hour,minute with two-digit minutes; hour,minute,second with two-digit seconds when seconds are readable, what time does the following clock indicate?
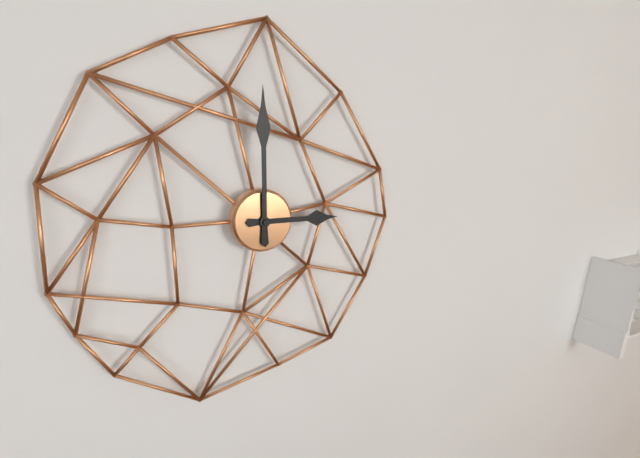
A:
3,00
